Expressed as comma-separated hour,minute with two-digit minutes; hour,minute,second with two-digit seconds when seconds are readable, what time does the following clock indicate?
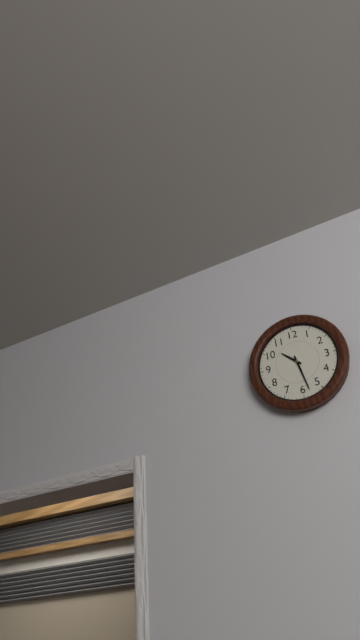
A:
10,28
